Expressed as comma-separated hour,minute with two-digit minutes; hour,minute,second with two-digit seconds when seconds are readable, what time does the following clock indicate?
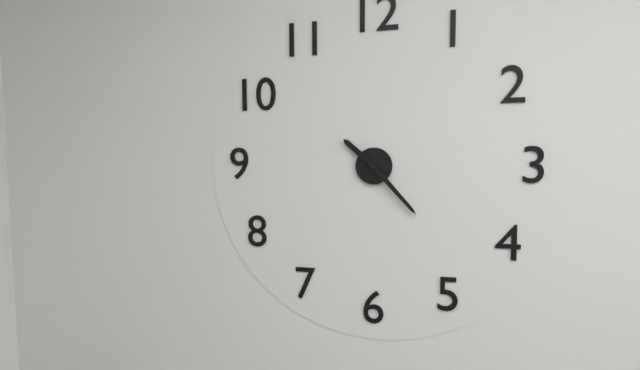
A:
10,23
